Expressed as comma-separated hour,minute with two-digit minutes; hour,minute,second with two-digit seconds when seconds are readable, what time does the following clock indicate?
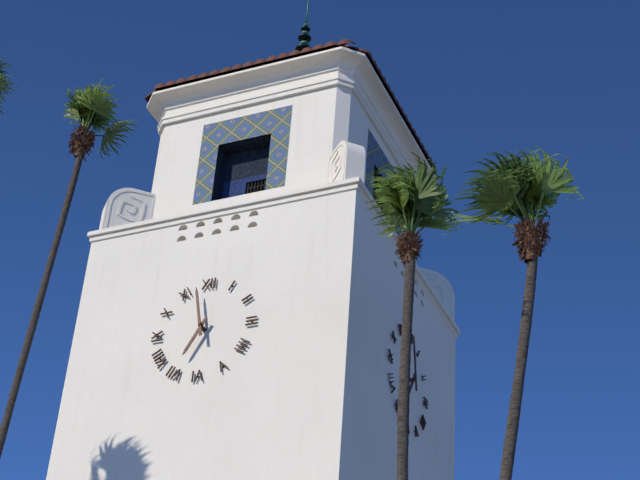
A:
6,58
